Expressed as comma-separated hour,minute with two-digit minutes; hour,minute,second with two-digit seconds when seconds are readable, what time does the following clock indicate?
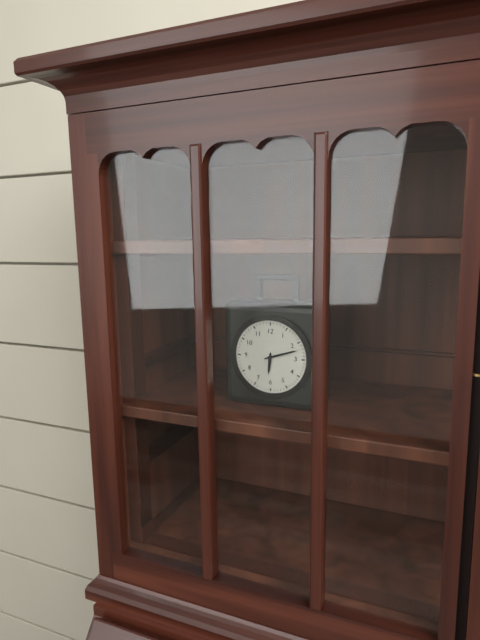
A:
6,12
